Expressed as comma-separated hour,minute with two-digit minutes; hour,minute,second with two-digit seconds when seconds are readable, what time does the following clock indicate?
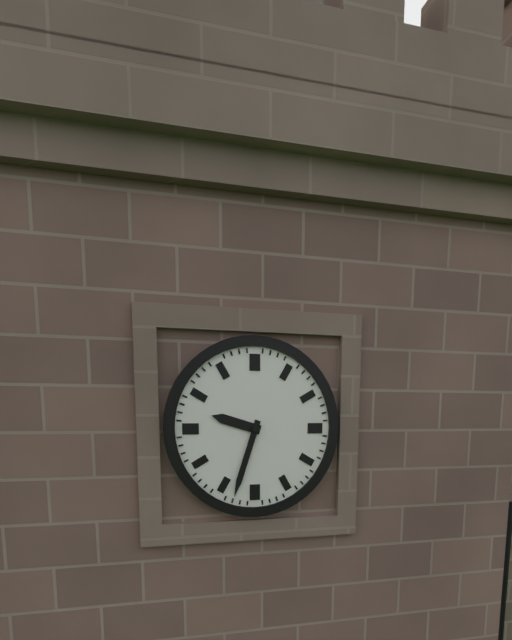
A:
9,33
